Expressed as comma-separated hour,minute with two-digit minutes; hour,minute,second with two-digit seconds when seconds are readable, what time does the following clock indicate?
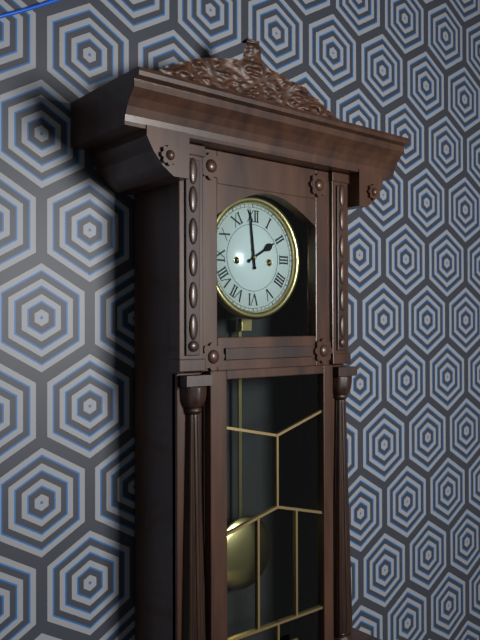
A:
1,59
